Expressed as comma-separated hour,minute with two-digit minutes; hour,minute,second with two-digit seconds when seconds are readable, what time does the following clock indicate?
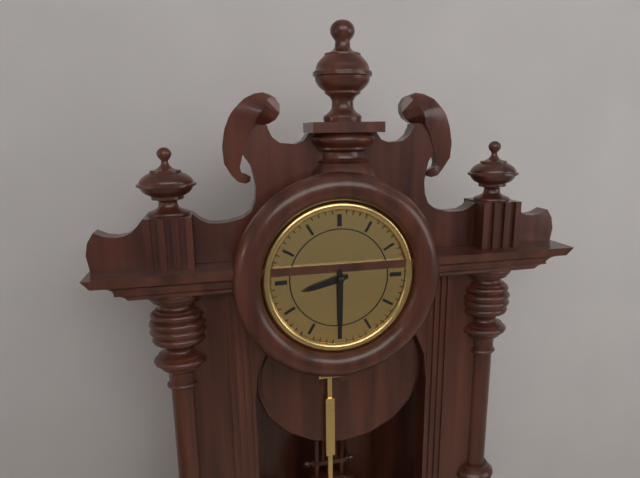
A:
8,30
